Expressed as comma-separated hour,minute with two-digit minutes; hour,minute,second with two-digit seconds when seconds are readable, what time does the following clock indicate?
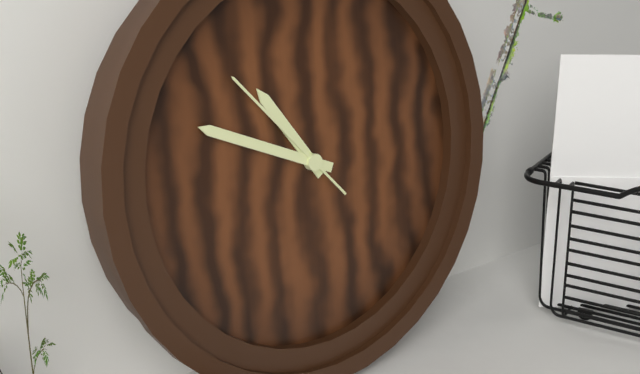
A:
10,49,53
